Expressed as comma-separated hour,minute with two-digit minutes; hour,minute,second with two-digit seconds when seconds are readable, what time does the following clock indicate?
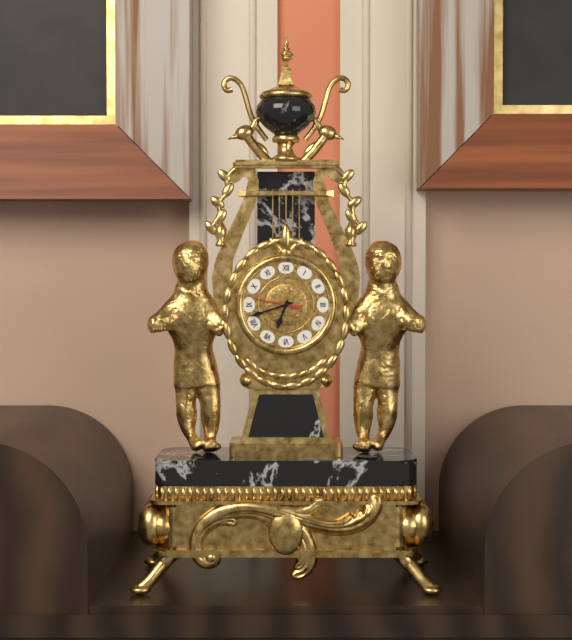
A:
6,42
